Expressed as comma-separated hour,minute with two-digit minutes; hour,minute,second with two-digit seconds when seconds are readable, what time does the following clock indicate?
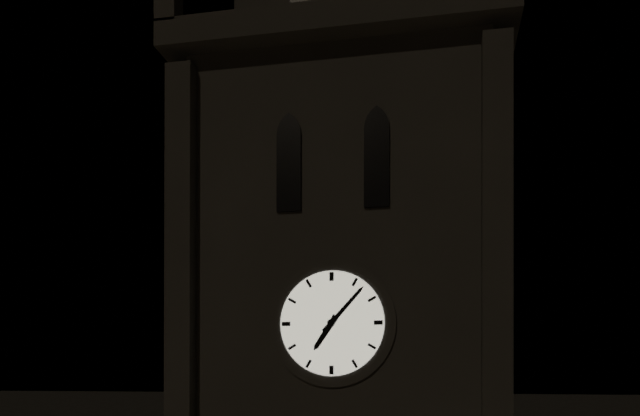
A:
7,07
